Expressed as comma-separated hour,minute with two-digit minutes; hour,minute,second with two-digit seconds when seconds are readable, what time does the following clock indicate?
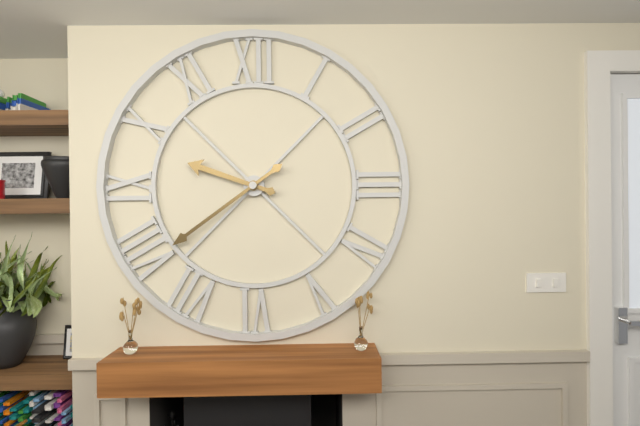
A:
9,39
